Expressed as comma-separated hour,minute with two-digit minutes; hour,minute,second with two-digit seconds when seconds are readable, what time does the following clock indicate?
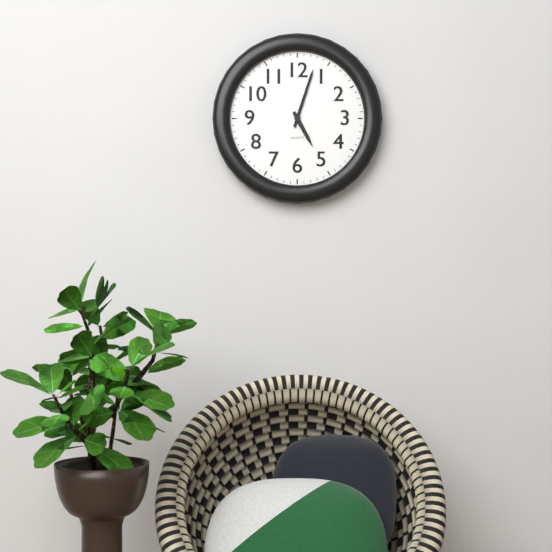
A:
5,03
